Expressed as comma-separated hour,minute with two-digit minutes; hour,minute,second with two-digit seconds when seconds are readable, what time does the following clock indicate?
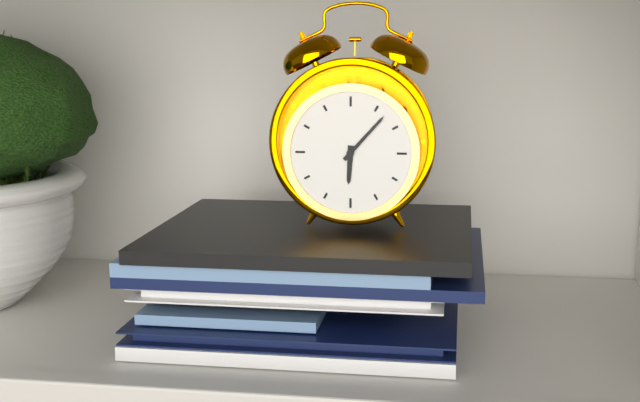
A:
6,07
